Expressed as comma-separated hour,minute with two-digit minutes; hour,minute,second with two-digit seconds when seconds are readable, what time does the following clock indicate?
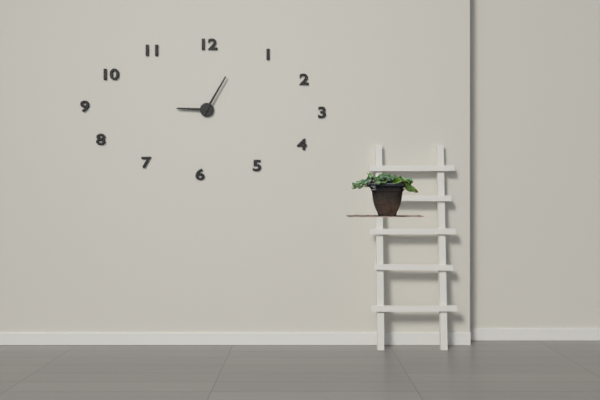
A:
9,05
